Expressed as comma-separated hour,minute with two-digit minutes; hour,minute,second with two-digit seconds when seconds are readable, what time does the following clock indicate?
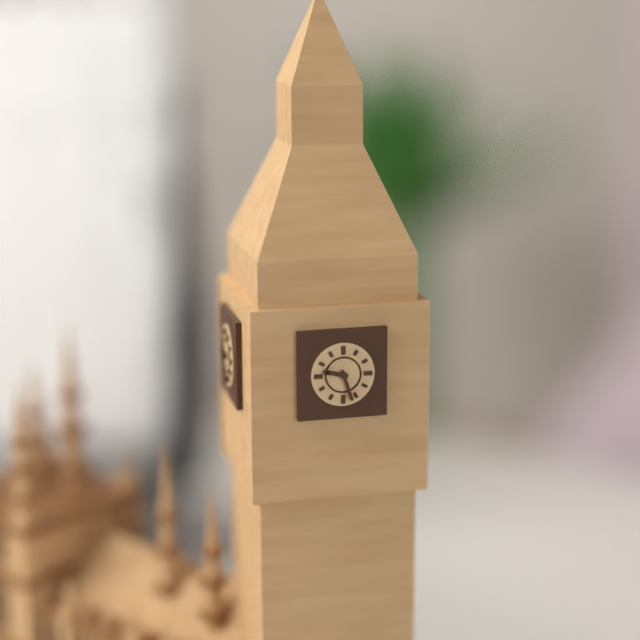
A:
9,27
